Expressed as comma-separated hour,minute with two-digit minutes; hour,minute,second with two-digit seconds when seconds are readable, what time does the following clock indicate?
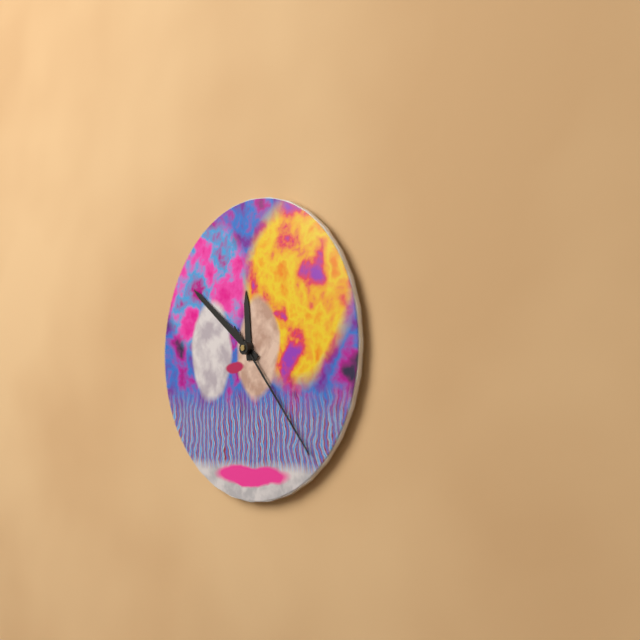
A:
11,51,23
